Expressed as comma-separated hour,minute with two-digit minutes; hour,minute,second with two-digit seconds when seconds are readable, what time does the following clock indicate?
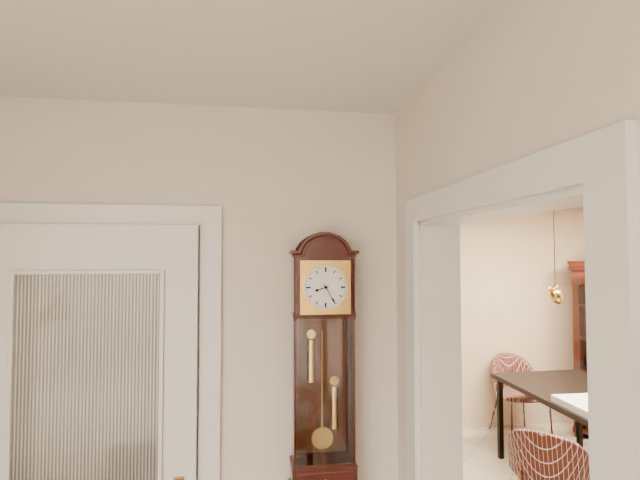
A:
8,25
